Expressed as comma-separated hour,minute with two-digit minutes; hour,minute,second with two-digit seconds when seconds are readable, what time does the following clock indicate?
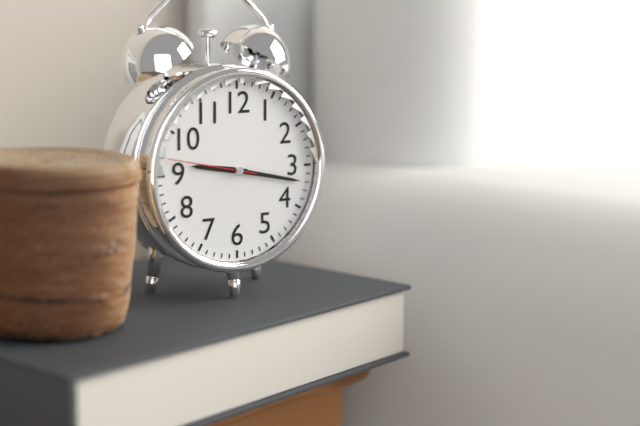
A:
9,17,47
